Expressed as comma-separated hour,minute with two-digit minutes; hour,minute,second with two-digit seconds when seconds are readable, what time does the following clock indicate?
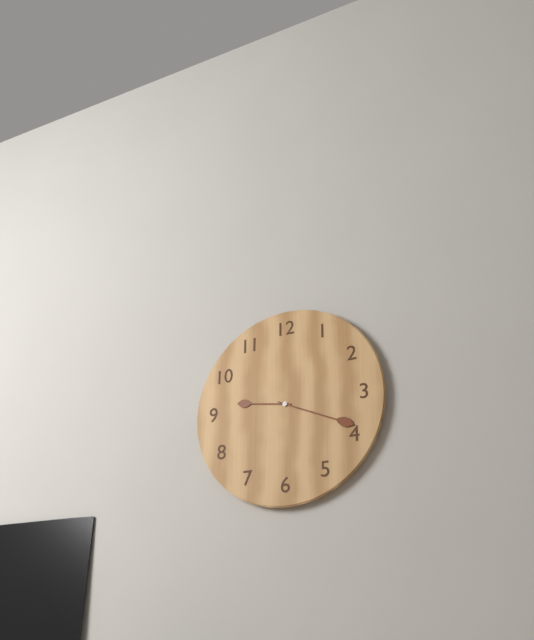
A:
9,19
